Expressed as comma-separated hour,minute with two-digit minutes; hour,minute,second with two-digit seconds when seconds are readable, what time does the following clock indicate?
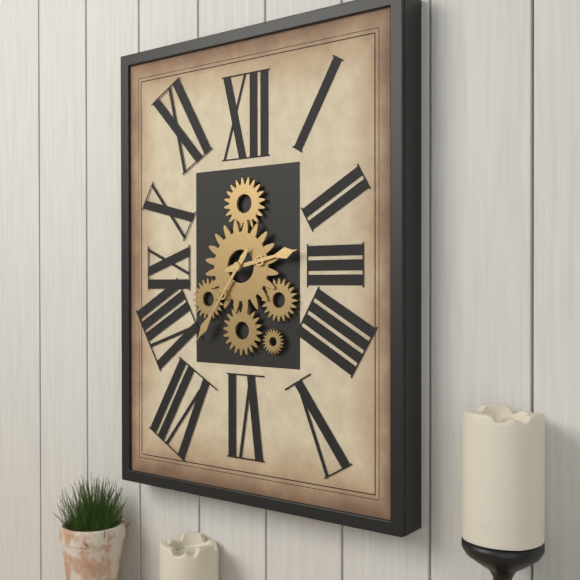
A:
2,36
